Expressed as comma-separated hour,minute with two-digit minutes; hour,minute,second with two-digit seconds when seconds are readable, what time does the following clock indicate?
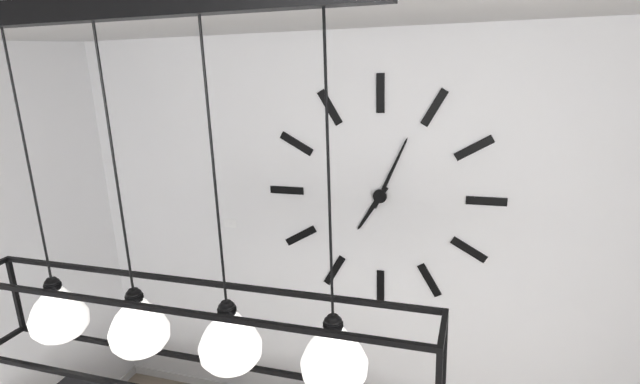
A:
7,04
